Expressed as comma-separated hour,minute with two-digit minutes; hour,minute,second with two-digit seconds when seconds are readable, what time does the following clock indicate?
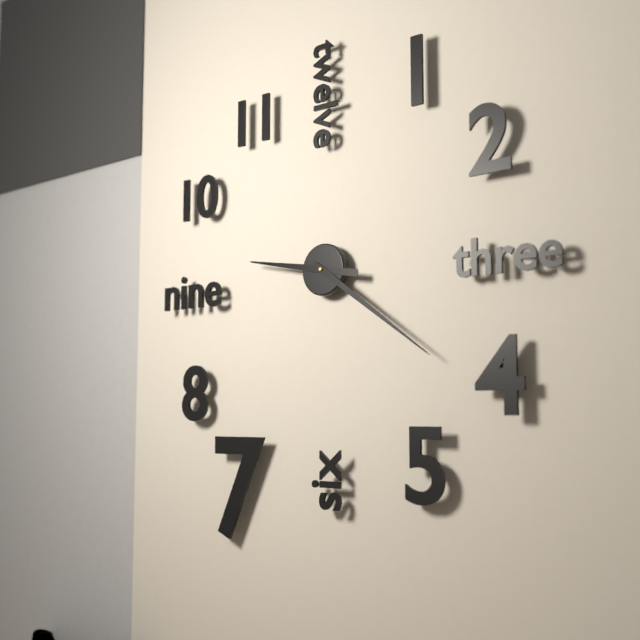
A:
9,21
